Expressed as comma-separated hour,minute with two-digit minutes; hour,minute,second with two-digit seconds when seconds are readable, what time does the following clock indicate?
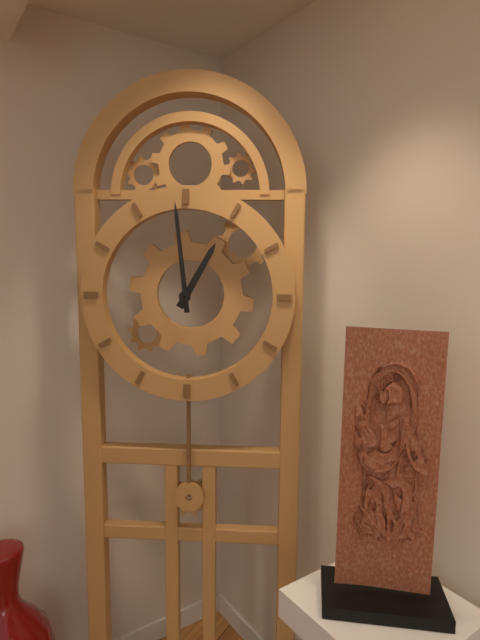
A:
12,59
